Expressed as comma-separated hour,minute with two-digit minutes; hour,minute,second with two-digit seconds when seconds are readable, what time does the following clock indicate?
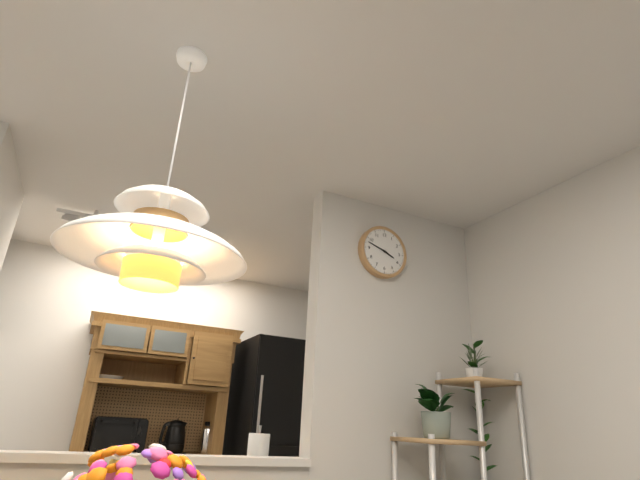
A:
3,48
